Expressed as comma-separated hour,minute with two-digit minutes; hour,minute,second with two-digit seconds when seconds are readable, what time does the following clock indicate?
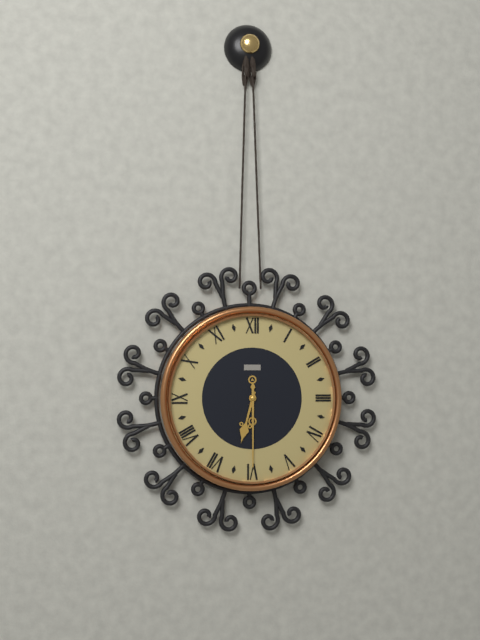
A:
6,30
